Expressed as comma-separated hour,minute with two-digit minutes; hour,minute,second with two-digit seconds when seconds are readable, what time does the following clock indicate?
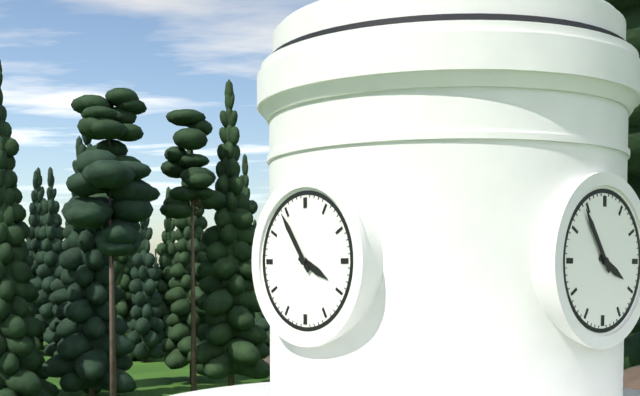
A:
3,54
